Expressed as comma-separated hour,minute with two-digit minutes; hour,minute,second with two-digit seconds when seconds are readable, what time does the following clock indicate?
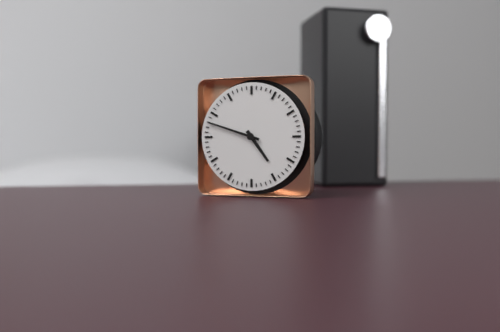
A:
4,48
